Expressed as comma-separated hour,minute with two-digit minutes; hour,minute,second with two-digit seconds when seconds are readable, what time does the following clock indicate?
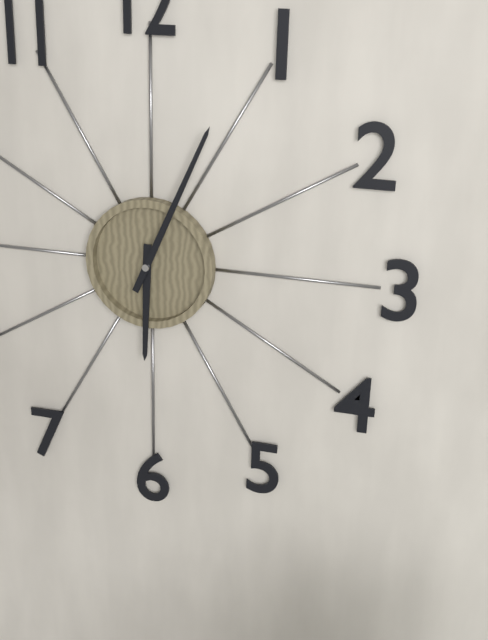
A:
6,04
